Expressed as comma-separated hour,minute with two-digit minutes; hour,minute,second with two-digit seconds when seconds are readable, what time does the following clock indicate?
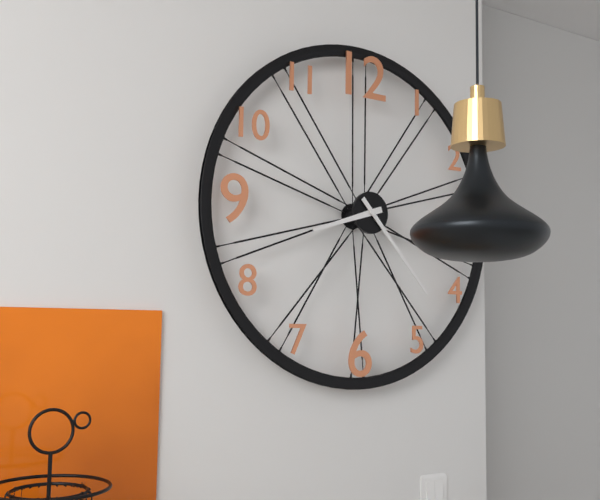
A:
8,23
